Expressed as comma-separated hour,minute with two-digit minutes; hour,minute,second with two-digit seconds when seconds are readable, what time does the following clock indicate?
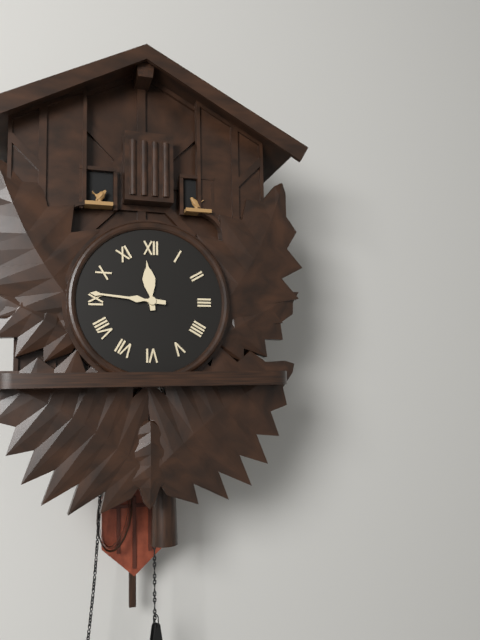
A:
11,46
